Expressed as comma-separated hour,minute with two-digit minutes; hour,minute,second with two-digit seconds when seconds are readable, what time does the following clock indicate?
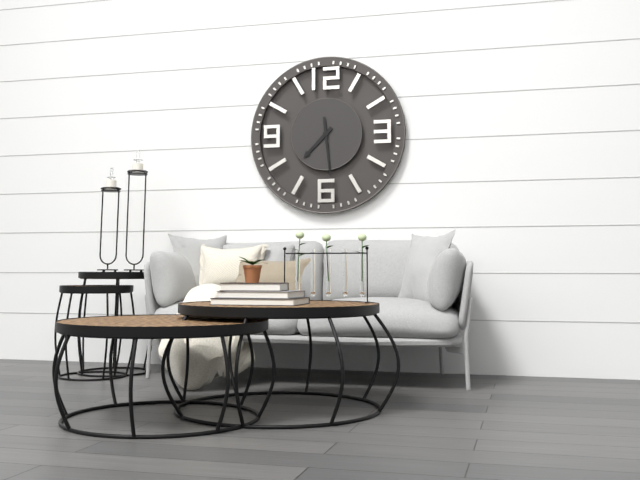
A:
7,29
